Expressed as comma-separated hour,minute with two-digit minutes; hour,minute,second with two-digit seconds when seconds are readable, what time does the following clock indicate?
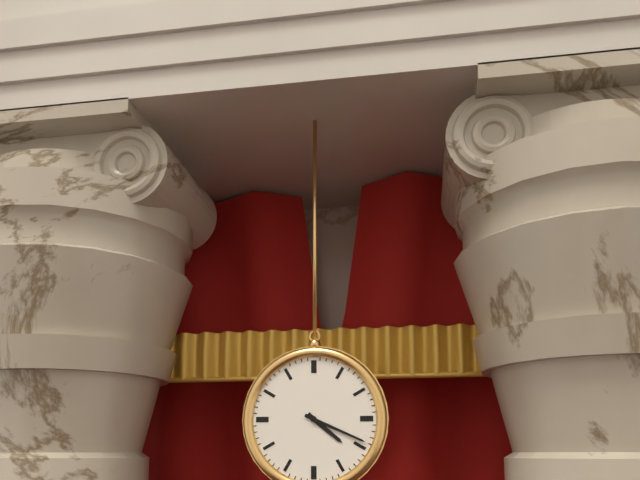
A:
4,19
